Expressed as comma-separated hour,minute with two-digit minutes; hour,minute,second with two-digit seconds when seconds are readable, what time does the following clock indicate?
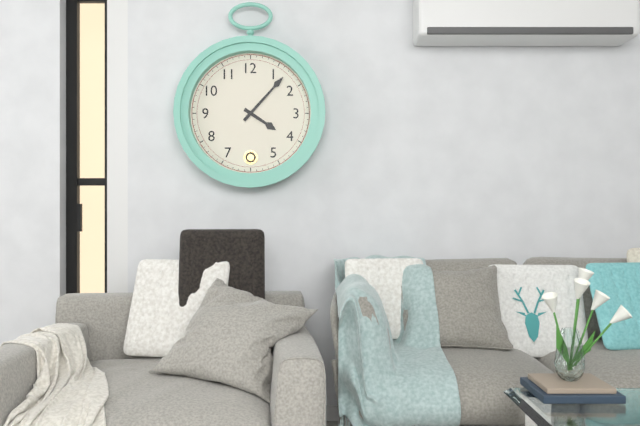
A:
4,07
